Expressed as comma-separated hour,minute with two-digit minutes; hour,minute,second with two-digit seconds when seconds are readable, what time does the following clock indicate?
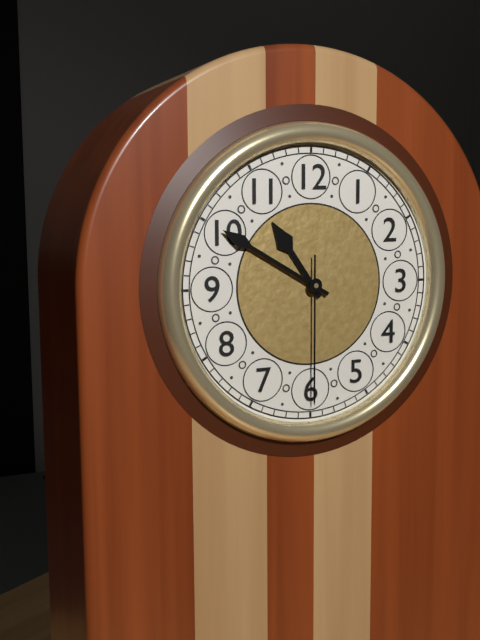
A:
10,50,30
